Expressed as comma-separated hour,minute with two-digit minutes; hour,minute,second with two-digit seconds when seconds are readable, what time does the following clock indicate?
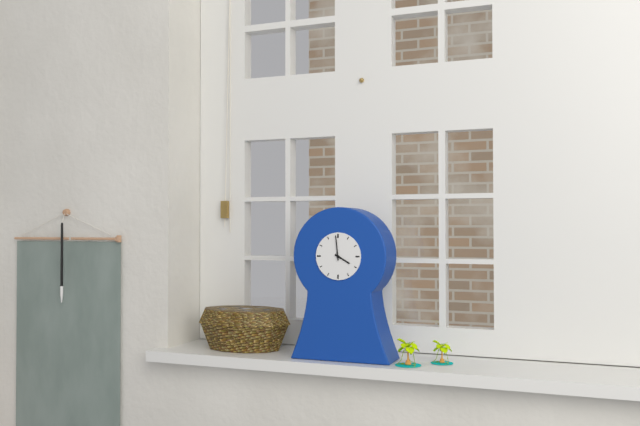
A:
3,59
